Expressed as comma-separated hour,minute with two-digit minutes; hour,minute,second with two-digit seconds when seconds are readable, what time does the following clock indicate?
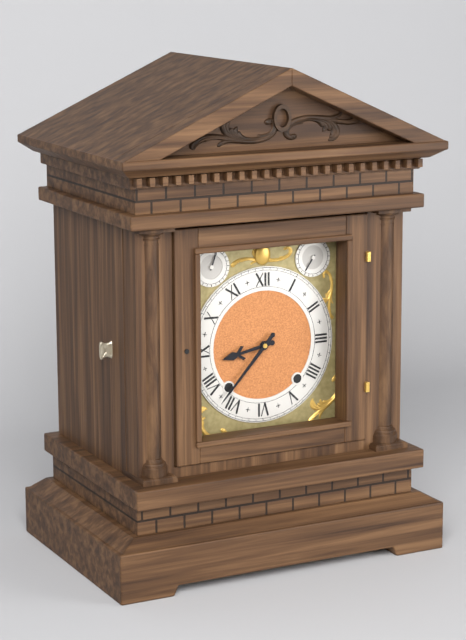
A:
8,37
